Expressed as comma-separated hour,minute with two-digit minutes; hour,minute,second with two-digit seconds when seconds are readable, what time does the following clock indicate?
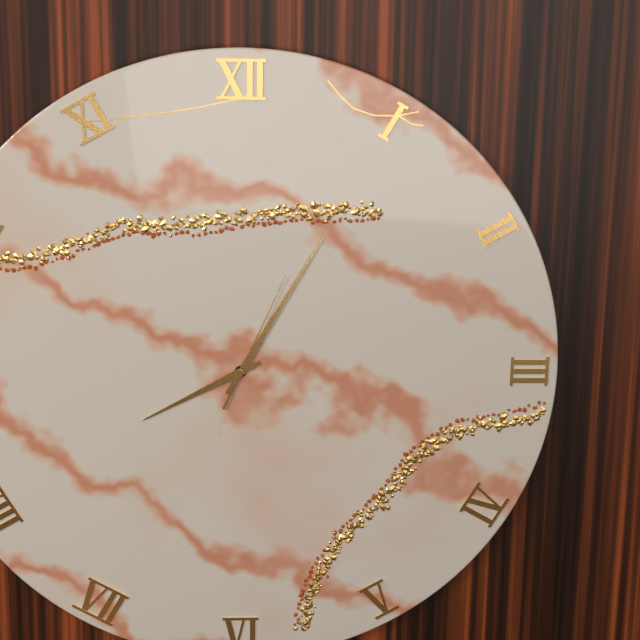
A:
8,05,04
